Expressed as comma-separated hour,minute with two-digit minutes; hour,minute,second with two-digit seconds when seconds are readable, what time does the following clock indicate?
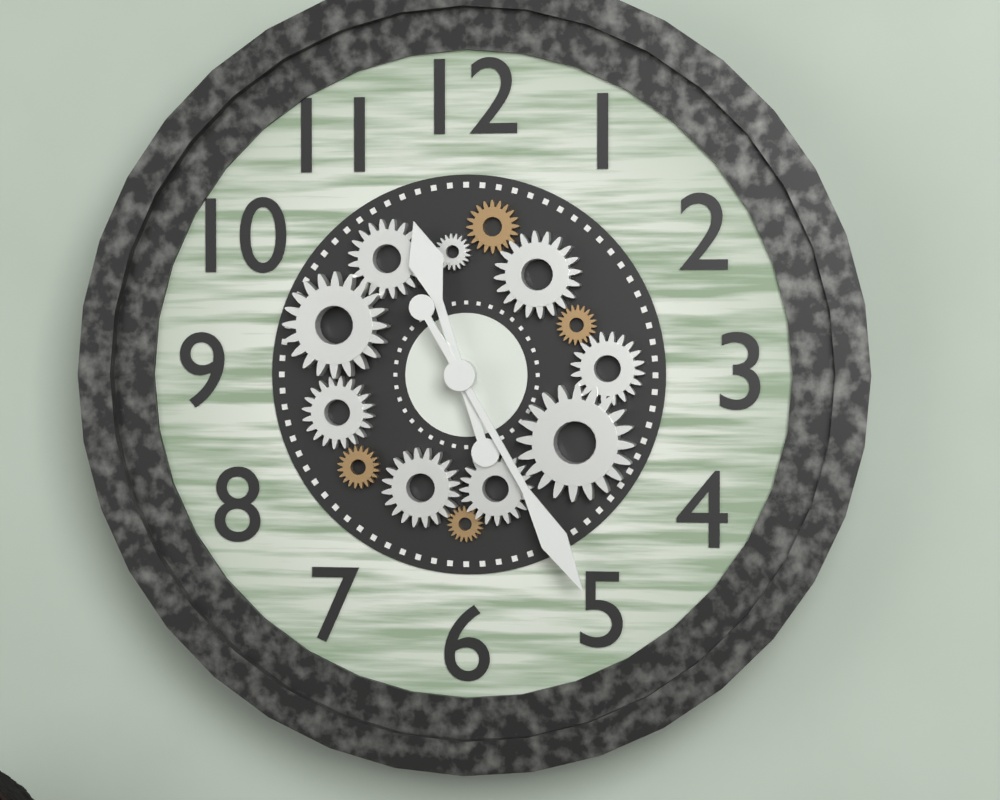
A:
11,25
